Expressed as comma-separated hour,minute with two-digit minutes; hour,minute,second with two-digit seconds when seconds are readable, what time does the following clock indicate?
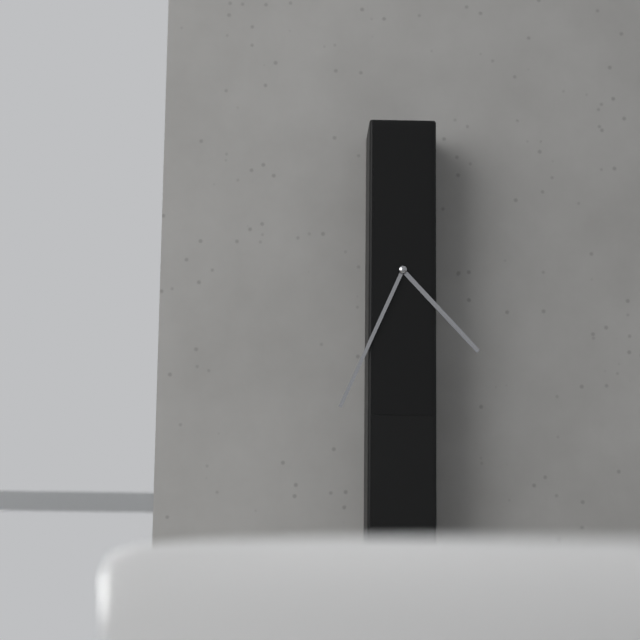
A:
4,34
